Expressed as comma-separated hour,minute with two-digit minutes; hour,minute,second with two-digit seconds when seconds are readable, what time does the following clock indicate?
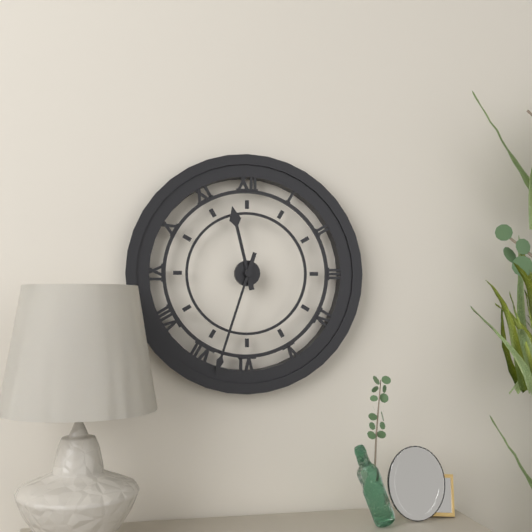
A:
11,33
